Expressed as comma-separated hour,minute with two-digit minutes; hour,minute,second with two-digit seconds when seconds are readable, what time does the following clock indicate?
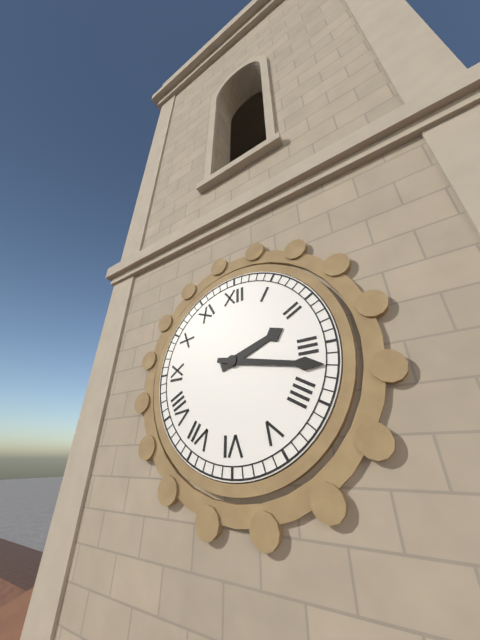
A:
2,17
